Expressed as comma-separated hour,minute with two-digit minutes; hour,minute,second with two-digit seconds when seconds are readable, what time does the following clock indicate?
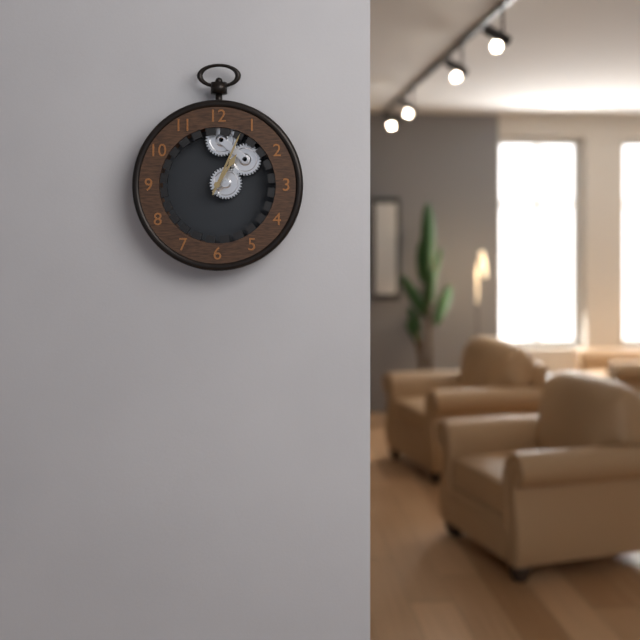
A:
1,04
